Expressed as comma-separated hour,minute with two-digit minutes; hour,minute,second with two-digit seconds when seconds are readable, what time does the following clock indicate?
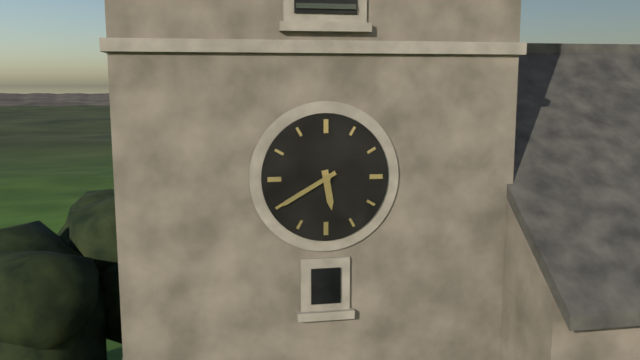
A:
5,40
